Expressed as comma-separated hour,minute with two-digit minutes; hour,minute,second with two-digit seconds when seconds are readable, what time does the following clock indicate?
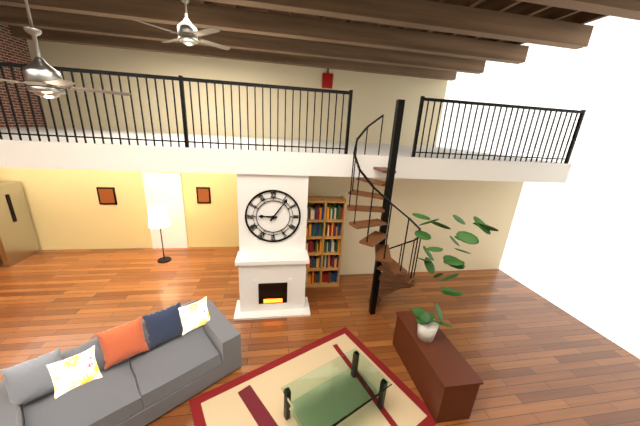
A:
9,06
